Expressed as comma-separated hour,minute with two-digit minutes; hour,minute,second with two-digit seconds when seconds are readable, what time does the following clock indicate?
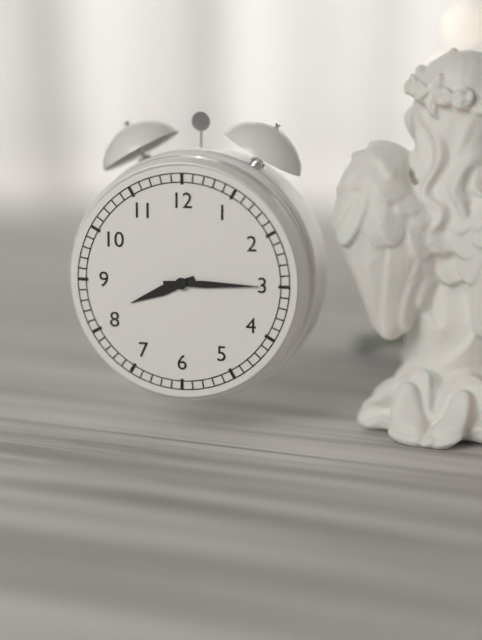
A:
8,15
